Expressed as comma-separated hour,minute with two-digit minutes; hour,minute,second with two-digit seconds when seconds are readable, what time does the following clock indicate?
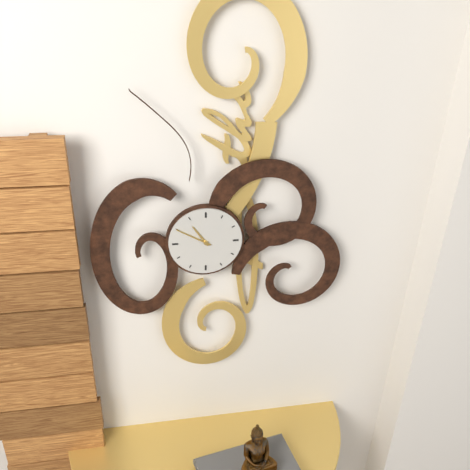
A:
10,50
